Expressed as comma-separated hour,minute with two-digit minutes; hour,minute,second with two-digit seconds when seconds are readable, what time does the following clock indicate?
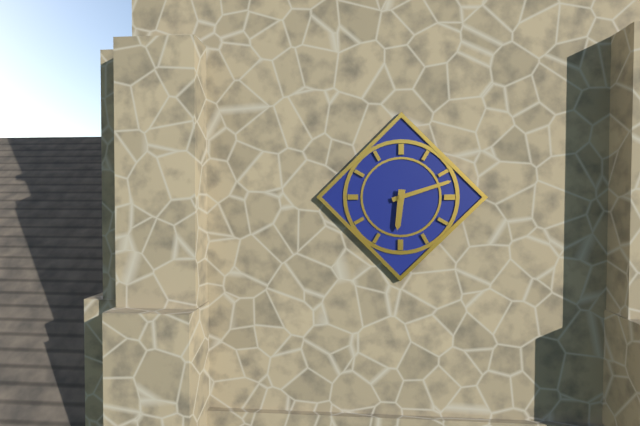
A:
6,12
